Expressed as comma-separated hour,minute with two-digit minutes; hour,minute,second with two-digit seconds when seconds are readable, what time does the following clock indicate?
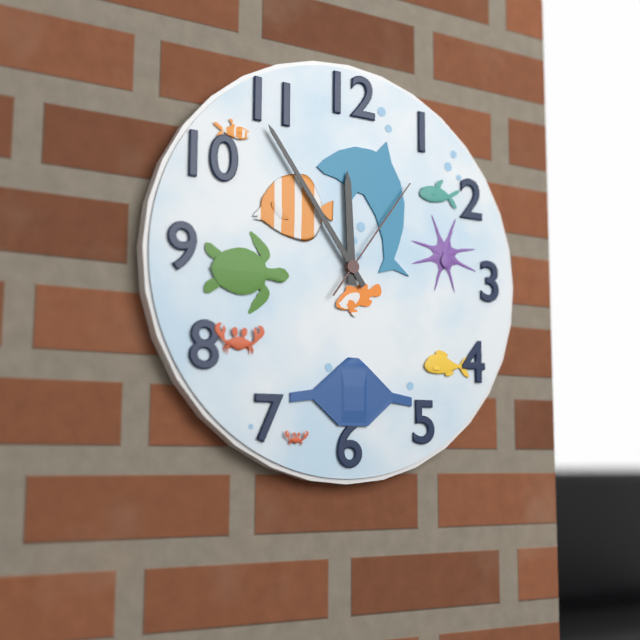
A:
11,54,06
